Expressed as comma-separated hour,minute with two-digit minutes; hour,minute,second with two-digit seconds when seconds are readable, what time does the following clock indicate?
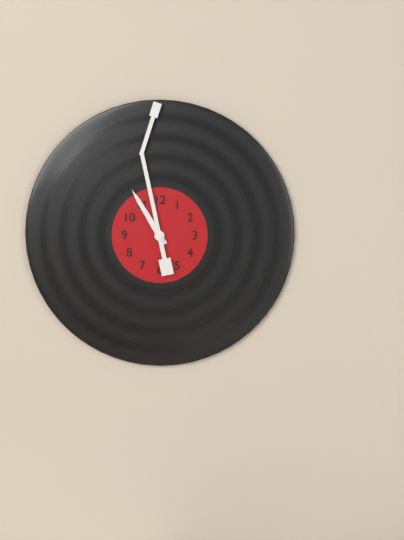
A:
10,58
